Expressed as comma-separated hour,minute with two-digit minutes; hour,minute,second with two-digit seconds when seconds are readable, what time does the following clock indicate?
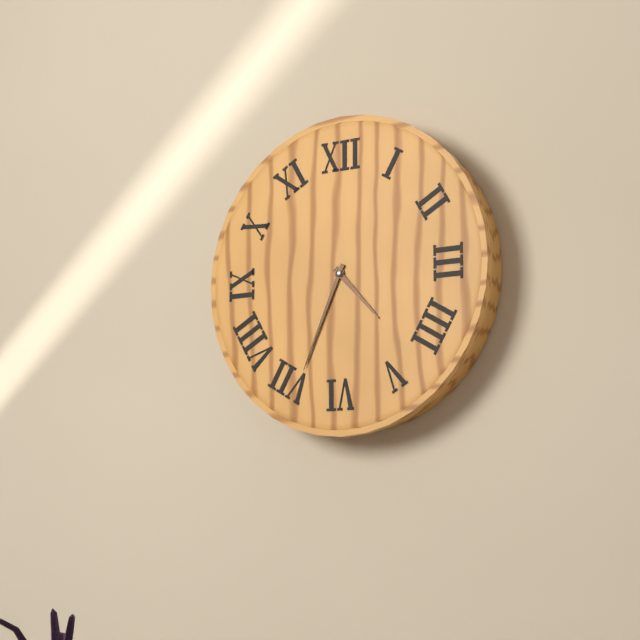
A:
4,34
